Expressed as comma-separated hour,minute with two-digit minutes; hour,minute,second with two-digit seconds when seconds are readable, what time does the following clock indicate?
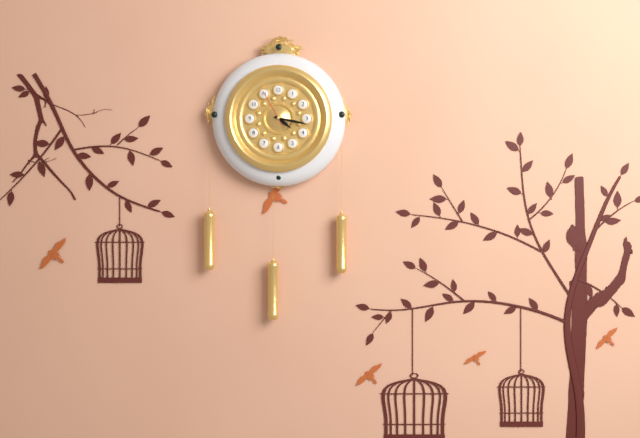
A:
4,17
